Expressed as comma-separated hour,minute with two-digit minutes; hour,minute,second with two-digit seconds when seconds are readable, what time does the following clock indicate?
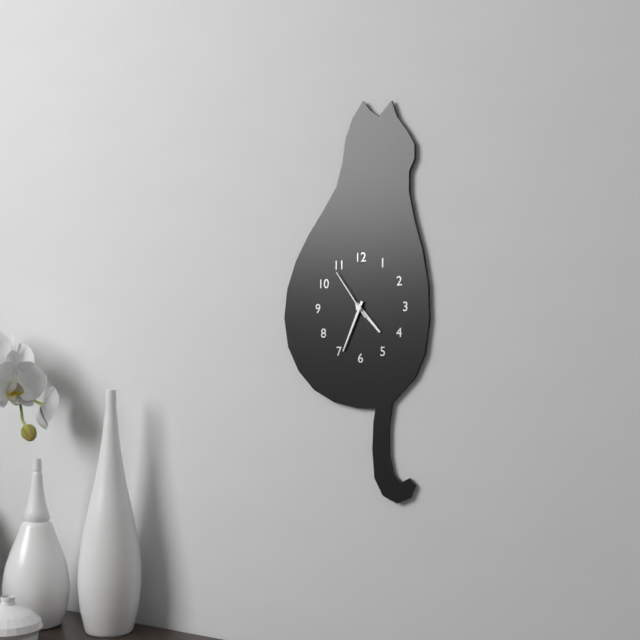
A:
4,34,54
